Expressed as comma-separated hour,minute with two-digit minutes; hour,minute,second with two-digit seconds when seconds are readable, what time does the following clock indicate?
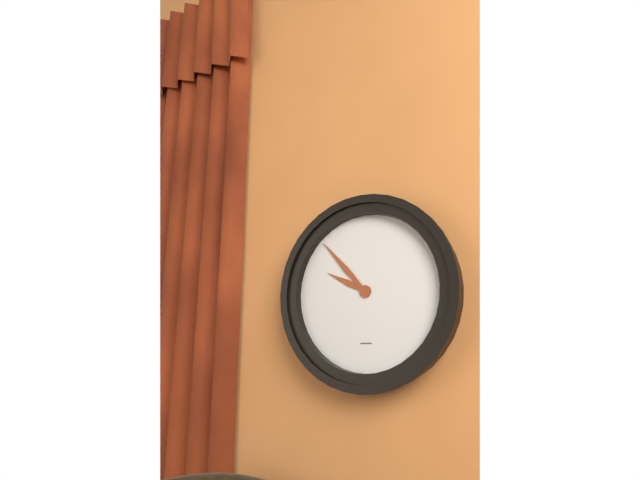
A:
9,53
